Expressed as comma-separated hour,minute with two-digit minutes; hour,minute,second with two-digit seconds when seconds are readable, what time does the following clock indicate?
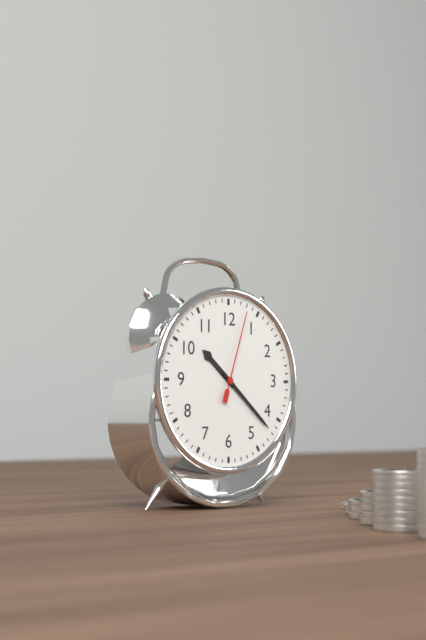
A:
10,22,03
